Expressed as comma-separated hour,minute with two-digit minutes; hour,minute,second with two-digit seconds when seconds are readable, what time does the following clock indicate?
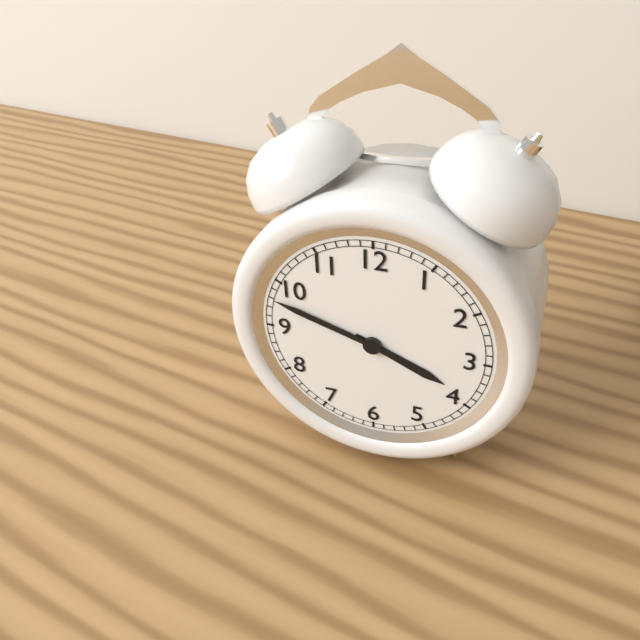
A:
3,48
